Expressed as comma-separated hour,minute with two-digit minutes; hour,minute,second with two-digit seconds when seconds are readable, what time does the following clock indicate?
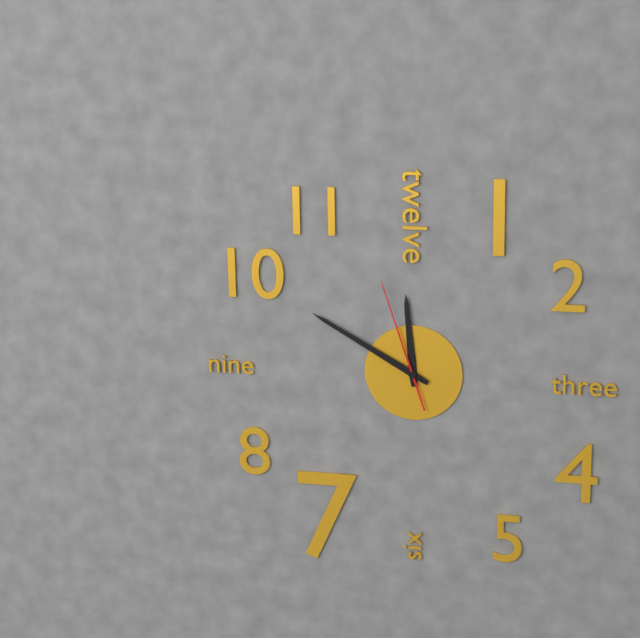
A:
11,50,57
